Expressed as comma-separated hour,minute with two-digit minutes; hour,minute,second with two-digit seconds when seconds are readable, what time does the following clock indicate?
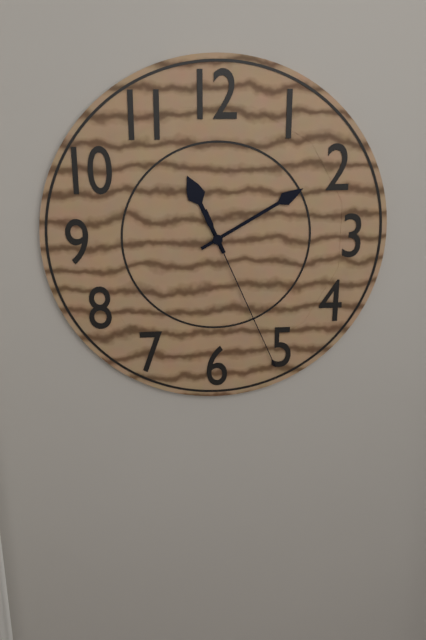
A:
11,10,26
